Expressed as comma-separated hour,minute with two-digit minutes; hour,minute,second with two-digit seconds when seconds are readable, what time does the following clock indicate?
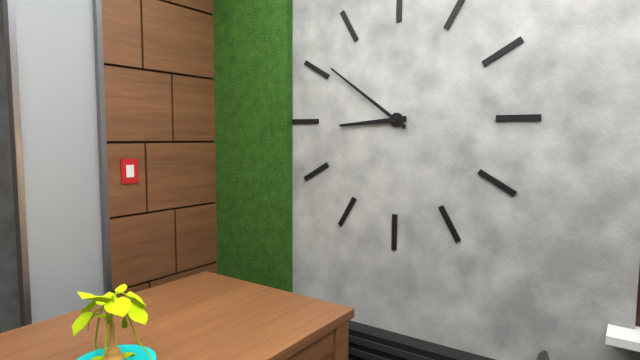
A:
8,51
